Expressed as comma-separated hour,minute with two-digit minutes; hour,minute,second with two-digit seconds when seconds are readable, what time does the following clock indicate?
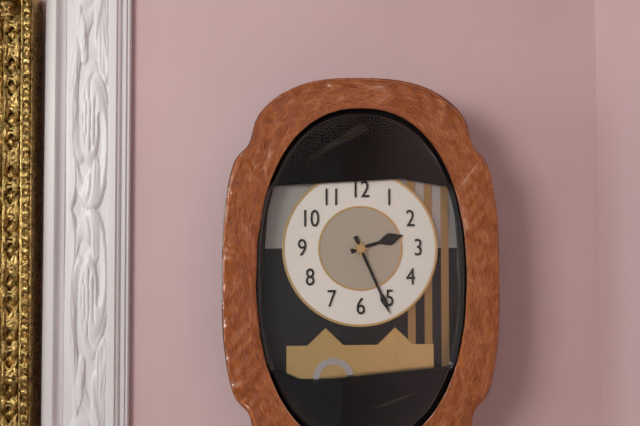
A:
2,26
